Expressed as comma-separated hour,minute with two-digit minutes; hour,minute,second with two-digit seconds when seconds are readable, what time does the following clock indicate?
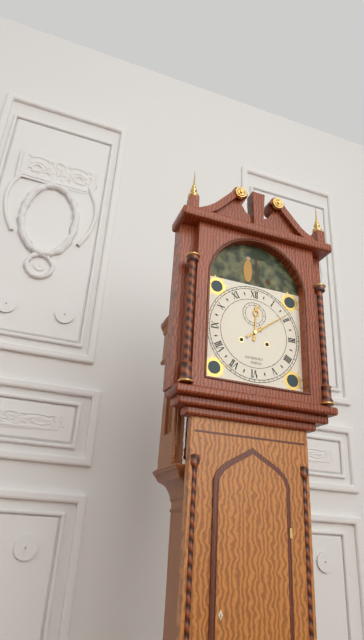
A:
12,09
